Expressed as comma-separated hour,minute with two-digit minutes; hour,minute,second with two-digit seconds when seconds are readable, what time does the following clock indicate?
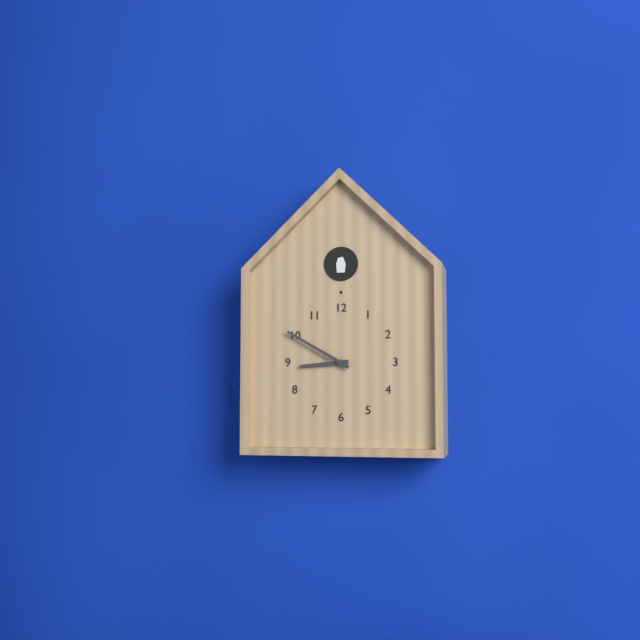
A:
8,50
